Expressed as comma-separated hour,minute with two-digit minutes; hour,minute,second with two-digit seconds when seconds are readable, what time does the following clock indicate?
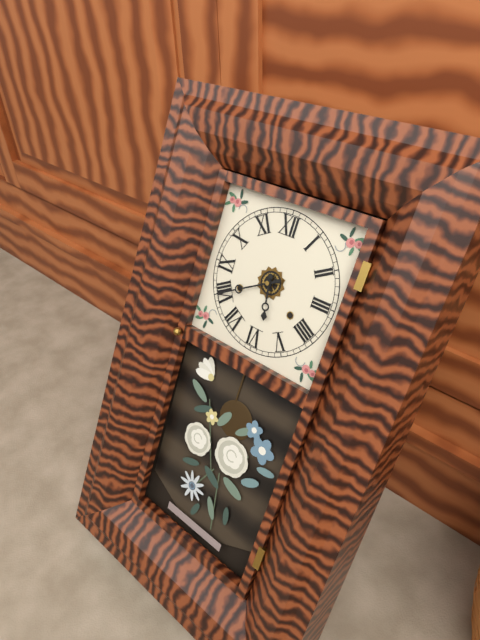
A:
5,40
